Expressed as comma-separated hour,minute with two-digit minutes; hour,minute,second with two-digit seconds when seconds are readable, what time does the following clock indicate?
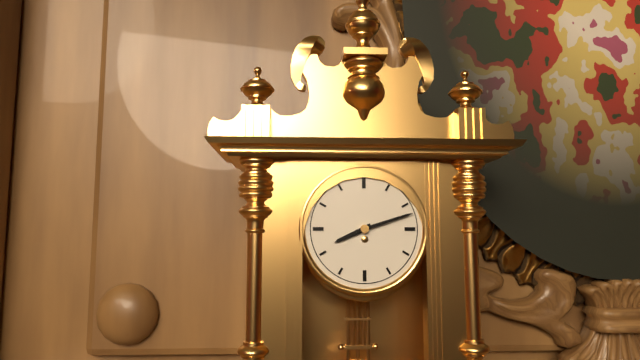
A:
8,12
